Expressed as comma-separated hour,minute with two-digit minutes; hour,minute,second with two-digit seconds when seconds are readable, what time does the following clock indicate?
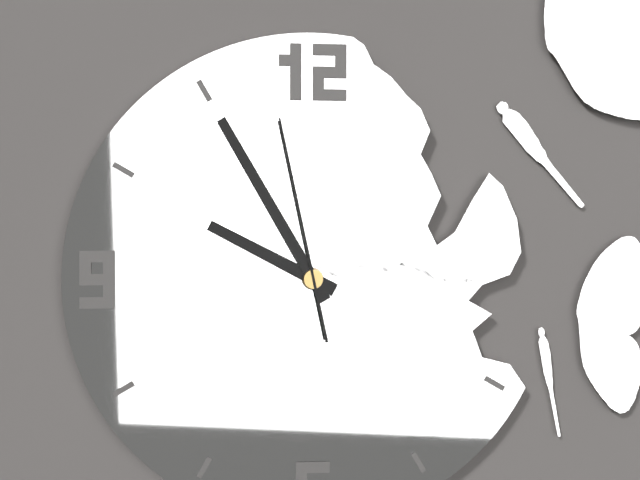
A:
9,55,58
